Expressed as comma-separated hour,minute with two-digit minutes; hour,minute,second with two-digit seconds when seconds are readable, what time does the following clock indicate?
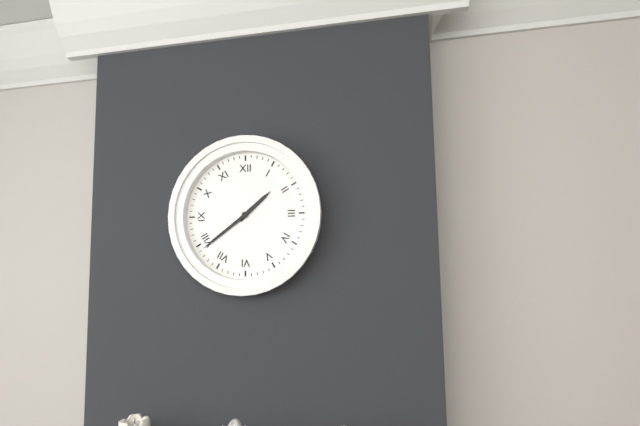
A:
1,39
